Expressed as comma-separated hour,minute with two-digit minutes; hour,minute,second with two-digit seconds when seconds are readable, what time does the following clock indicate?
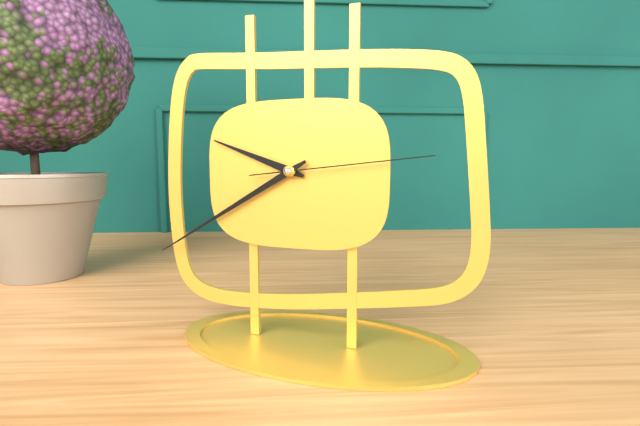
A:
9,40,14
